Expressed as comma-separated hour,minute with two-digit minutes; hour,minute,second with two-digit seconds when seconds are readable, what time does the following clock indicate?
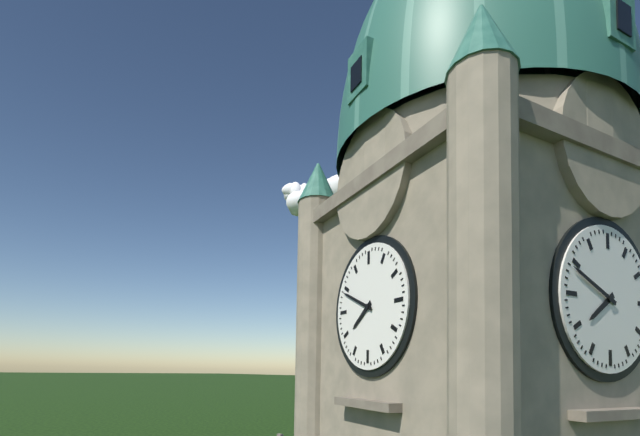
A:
7,49
